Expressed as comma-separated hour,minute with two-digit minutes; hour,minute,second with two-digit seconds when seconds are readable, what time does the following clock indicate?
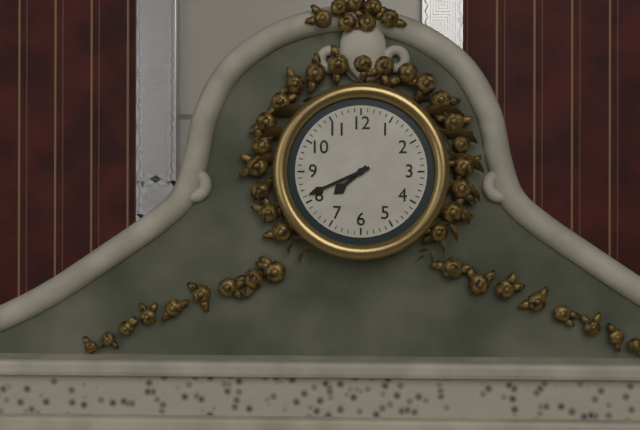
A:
7,41
